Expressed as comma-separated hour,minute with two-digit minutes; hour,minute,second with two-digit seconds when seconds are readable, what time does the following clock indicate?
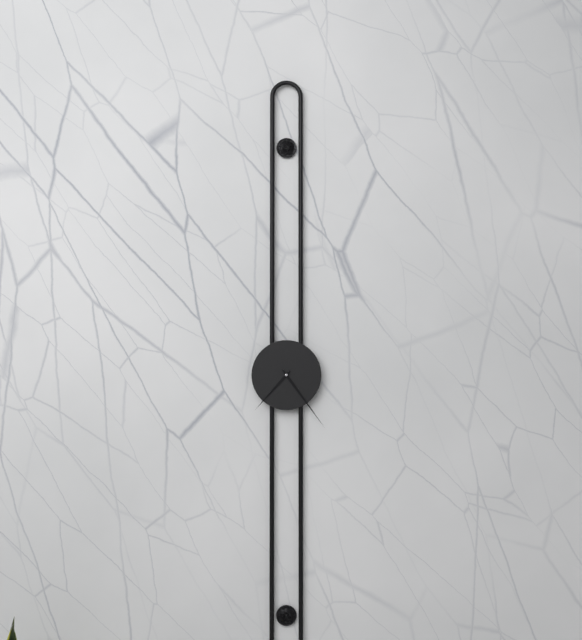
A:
7,24
